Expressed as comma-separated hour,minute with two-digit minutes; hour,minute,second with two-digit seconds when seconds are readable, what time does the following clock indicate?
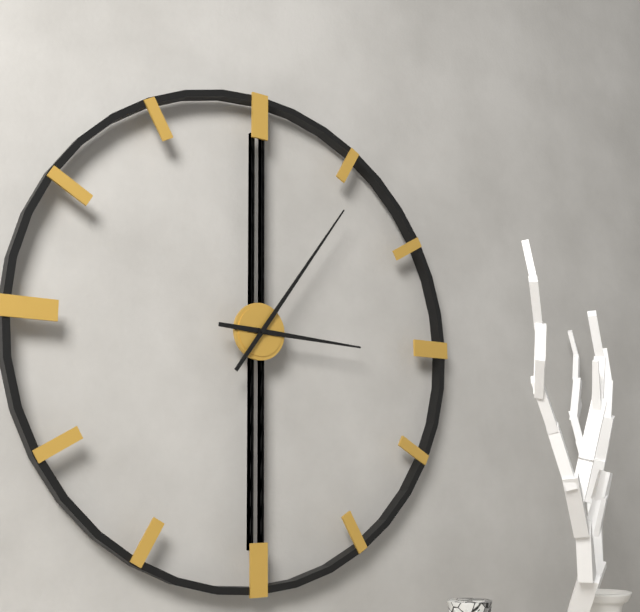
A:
3,06
